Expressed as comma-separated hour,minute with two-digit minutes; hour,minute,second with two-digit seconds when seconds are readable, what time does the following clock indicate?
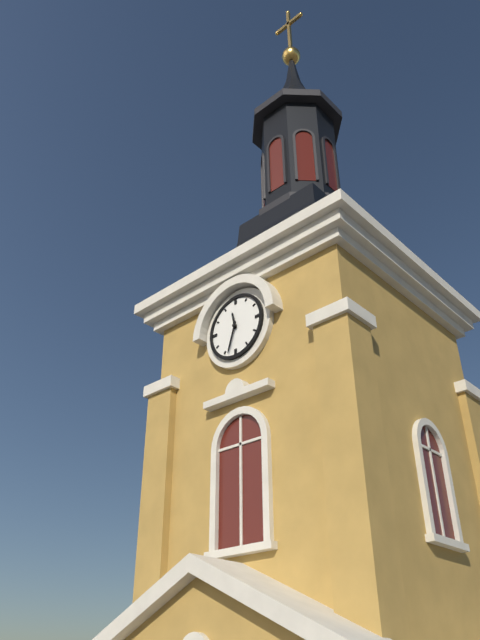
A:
11,33
